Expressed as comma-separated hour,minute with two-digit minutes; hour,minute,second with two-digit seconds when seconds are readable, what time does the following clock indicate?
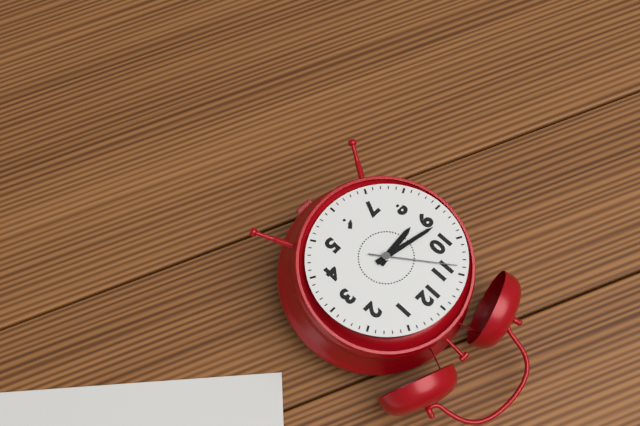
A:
8,47,54
